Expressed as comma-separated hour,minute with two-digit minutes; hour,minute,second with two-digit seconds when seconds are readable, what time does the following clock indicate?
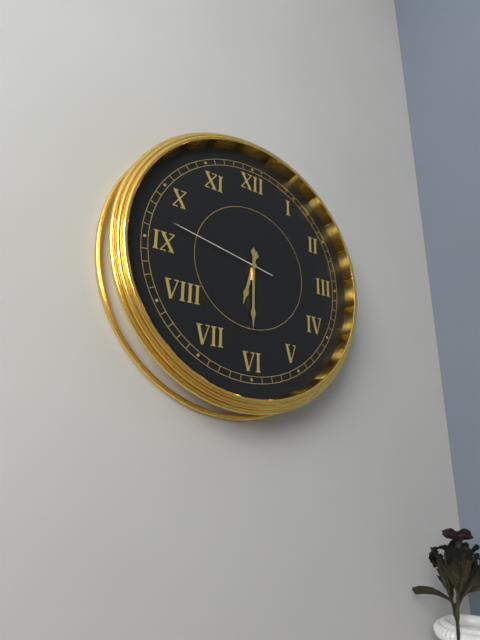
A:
6,30,47
